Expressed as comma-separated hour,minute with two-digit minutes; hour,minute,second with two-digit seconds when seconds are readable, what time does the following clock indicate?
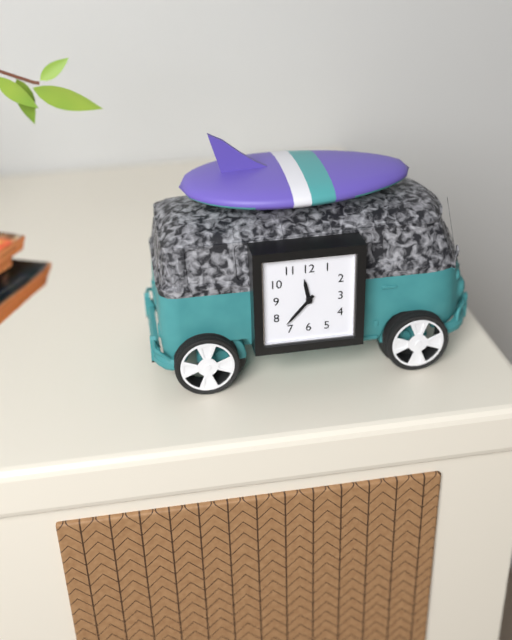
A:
11,37
